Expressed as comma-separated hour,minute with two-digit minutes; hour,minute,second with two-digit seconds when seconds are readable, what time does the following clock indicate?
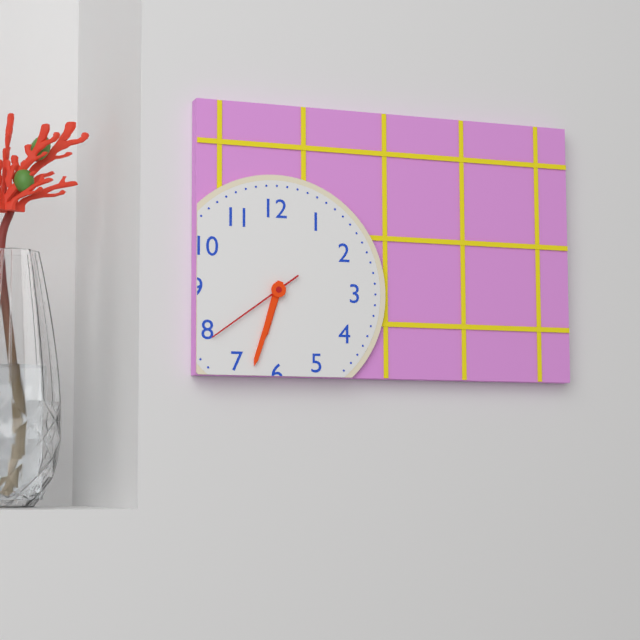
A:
6,33,39
